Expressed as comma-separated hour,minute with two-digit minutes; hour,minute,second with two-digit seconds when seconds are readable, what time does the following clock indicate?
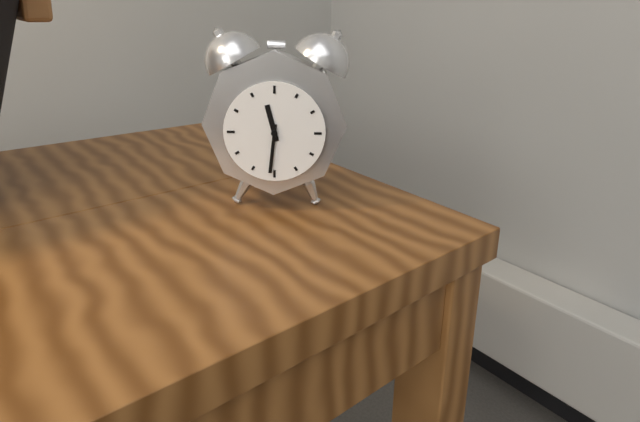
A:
11,31
